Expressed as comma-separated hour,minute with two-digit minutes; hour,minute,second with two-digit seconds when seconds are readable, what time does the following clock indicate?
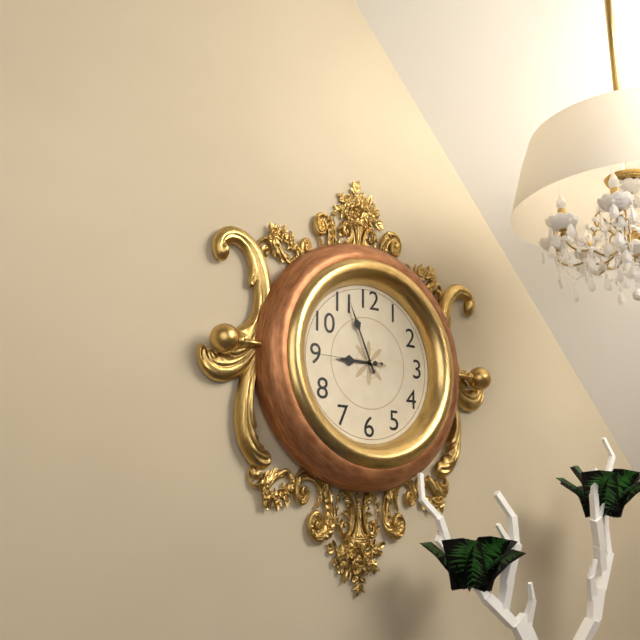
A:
8,56,45
